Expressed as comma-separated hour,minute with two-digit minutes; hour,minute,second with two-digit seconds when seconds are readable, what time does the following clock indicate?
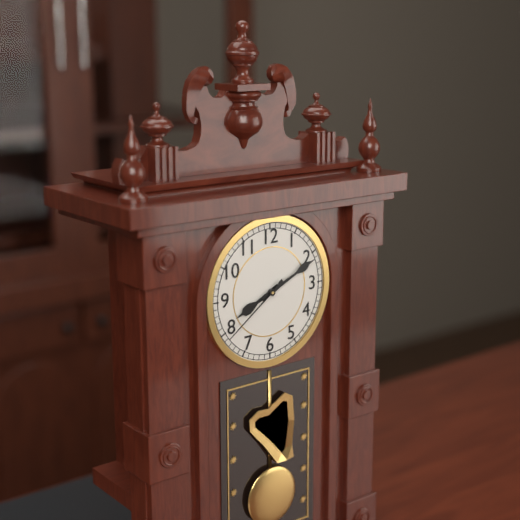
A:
8,11,39
